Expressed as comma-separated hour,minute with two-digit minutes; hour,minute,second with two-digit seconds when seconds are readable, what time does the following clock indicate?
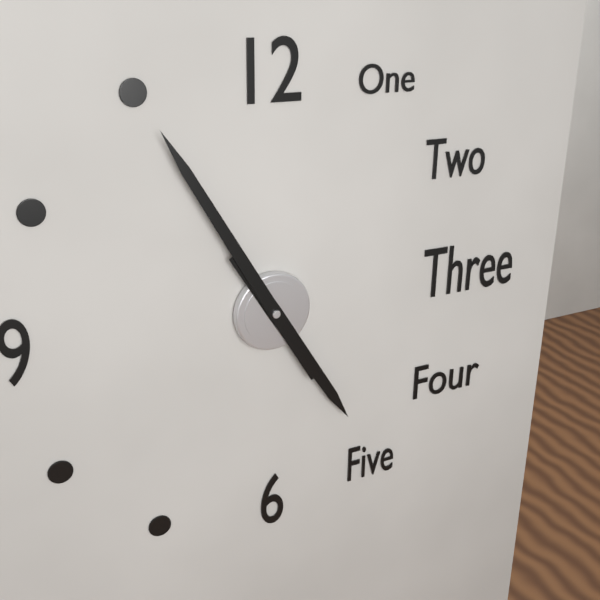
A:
4,55
